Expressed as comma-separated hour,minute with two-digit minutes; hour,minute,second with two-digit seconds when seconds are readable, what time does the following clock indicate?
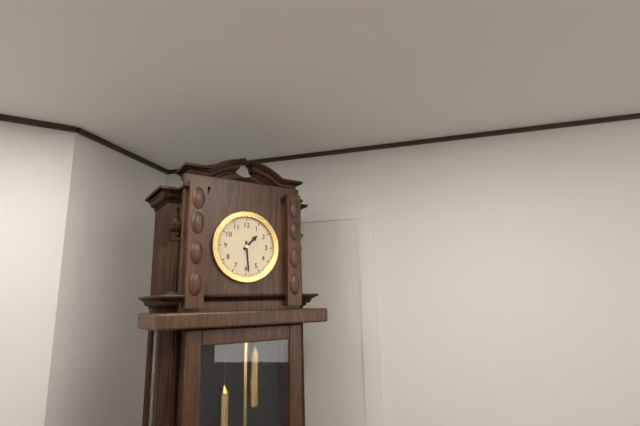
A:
1,29
